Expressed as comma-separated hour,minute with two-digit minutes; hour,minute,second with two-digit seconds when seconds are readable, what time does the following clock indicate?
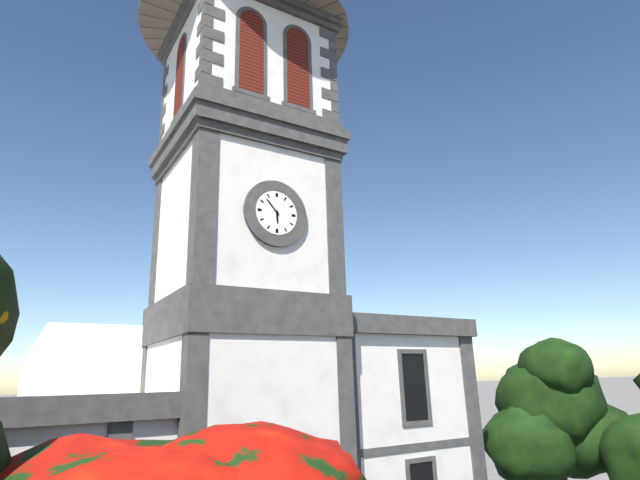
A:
5,53
